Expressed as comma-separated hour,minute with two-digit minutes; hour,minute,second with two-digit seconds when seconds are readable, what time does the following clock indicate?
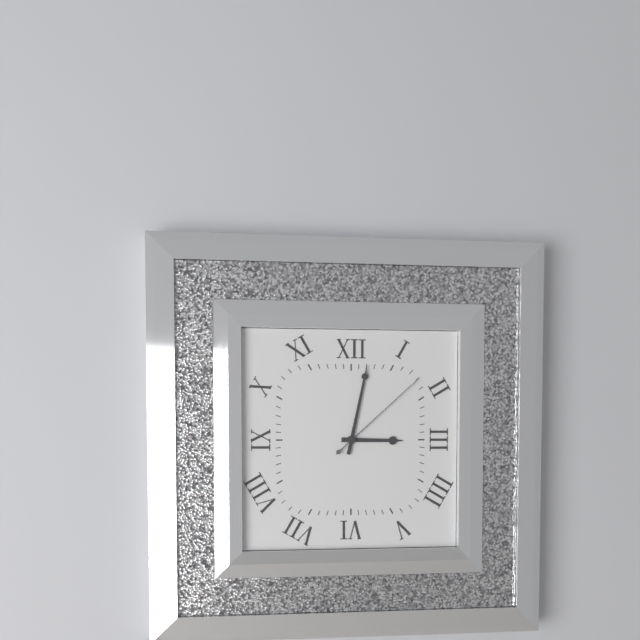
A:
3,02,08
